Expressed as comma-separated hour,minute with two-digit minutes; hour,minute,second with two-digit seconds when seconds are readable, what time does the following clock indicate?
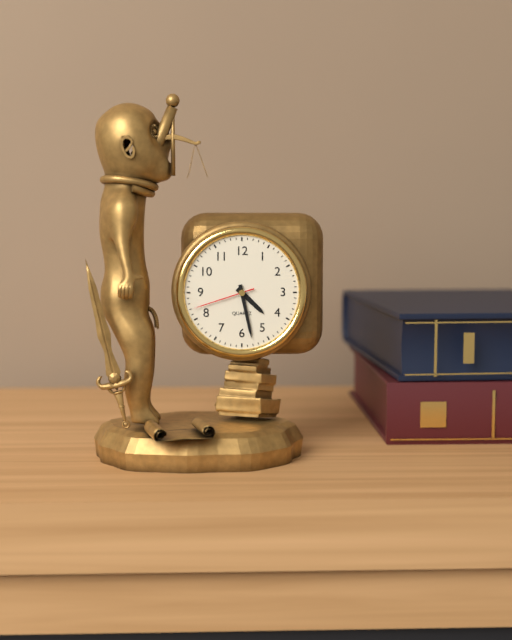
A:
4,28,42
